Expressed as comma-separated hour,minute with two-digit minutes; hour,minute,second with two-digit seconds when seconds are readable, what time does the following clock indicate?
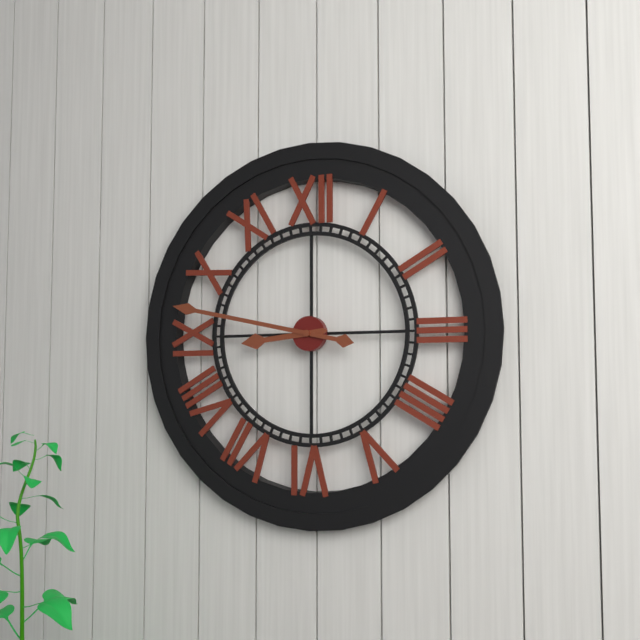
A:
8,47
